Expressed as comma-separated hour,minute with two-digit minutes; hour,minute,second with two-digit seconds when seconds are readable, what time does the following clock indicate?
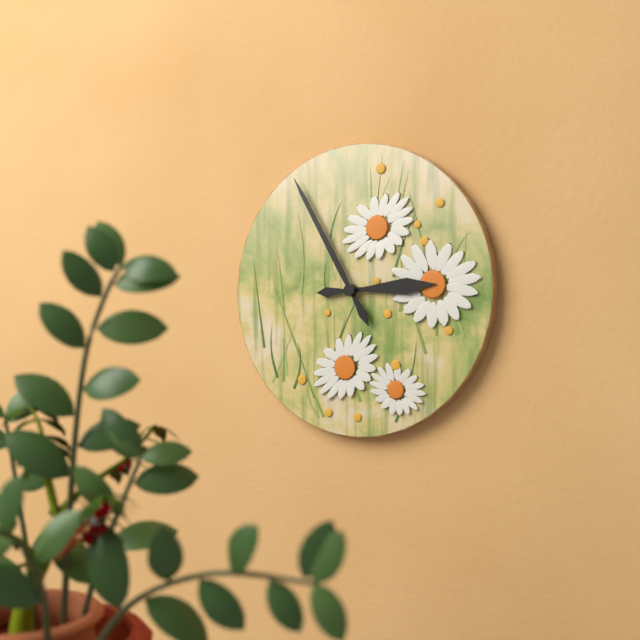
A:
2,55
